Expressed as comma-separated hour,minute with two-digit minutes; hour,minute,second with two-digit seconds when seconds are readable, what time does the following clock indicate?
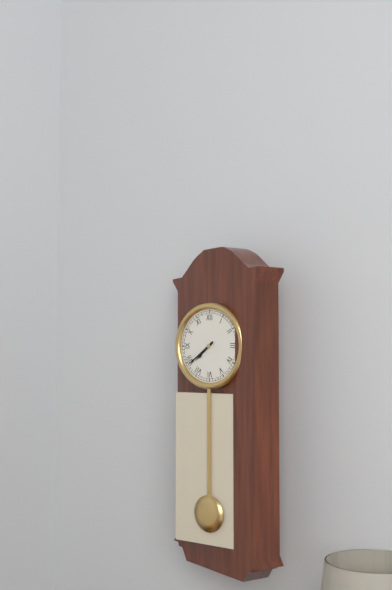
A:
7,39
